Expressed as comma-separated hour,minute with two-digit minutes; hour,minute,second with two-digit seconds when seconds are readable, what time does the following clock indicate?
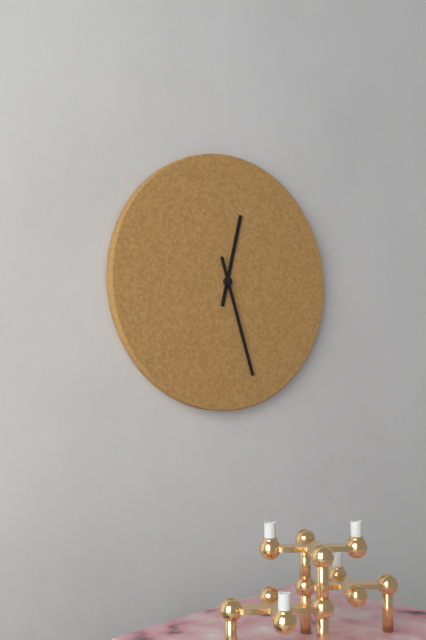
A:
12,27
